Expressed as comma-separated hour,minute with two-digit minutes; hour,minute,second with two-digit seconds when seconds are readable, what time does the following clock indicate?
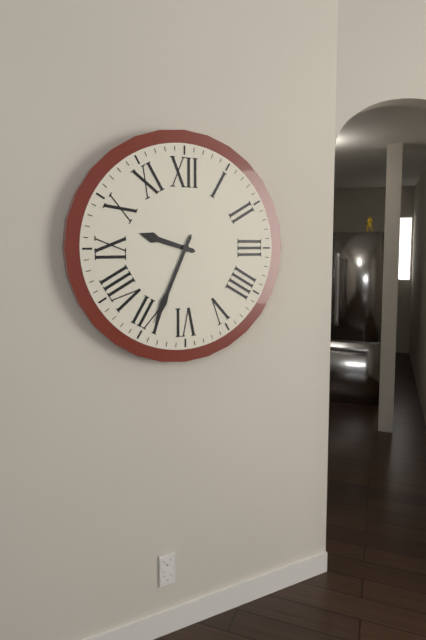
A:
9,34
